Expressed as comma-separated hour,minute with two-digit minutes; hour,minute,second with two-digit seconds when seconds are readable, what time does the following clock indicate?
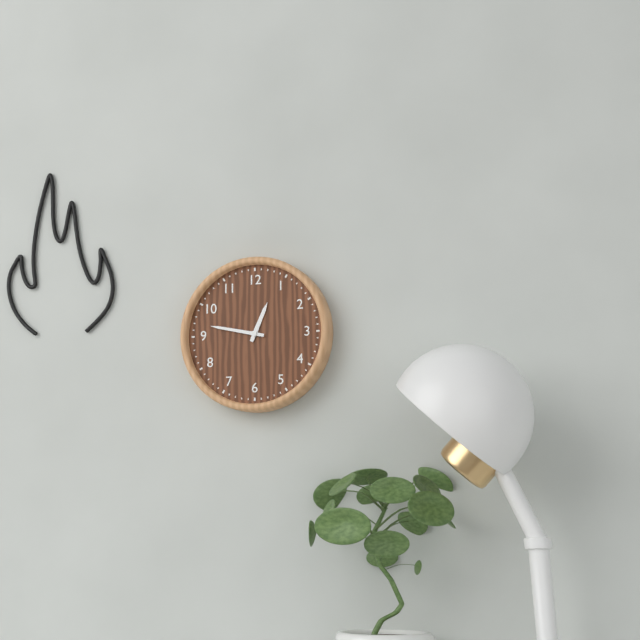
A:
12,47
